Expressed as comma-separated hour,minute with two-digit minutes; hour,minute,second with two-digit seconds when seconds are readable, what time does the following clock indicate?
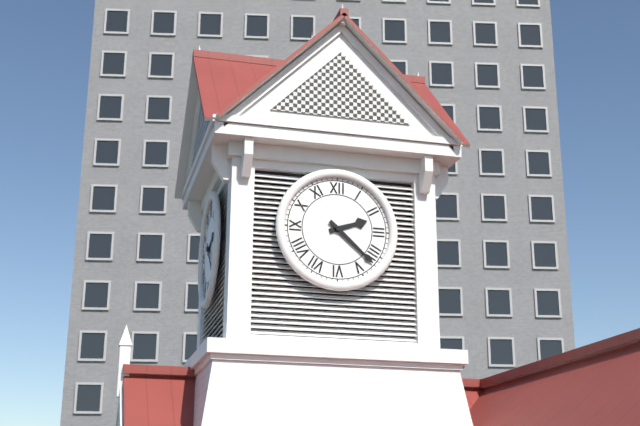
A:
2,22
